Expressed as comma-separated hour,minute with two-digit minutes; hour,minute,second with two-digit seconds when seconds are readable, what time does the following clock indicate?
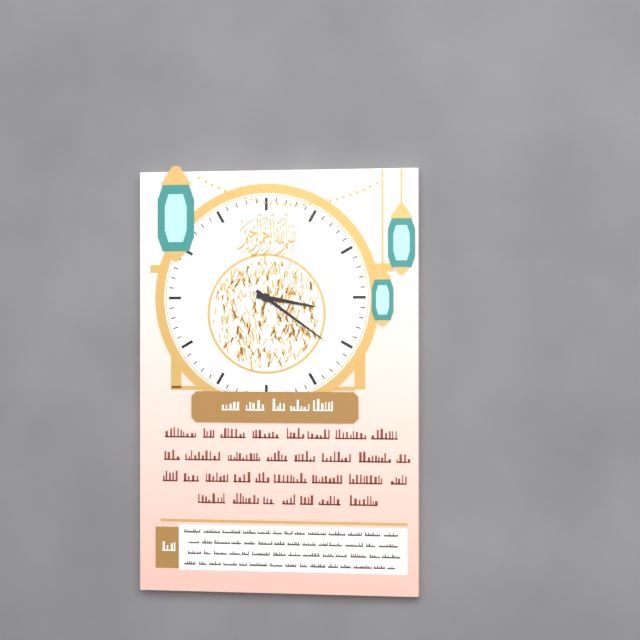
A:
3,21
